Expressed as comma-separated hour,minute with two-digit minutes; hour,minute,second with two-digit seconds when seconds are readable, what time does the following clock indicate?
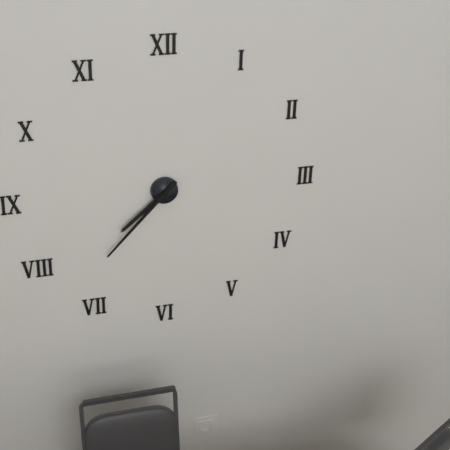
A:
7,37
